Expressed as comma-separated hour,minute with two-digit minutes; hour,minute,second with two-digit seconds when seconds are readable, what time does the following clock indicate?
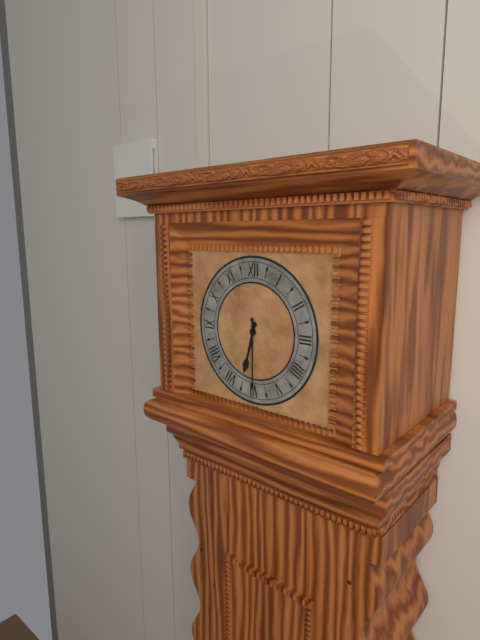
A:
6,30
